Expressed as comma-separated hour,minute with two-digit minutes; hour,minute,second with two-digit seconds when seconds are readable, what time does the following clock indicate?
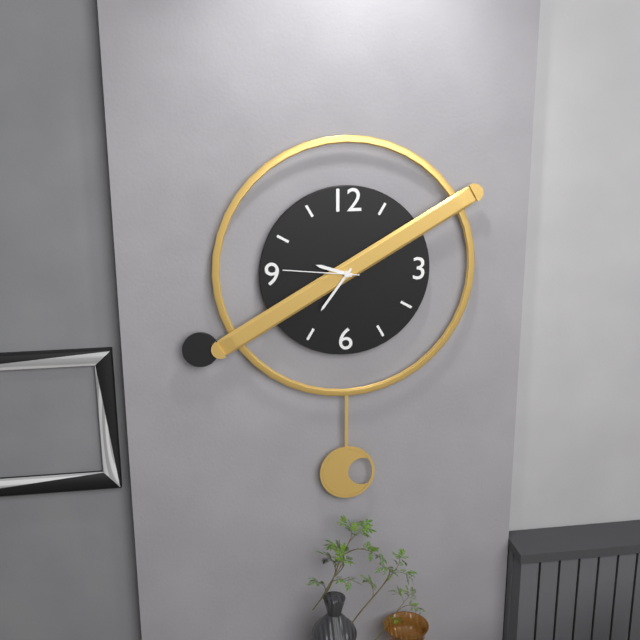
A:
9,36,46
